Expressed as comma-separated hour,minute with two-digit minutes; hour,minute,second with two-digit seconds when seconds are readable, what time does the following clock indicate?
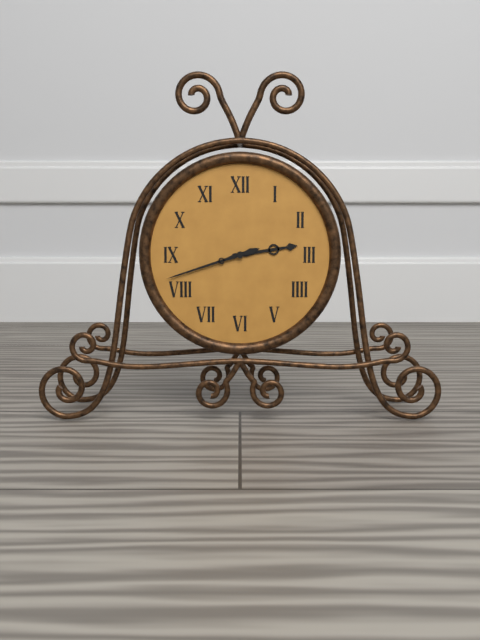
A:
2,42
